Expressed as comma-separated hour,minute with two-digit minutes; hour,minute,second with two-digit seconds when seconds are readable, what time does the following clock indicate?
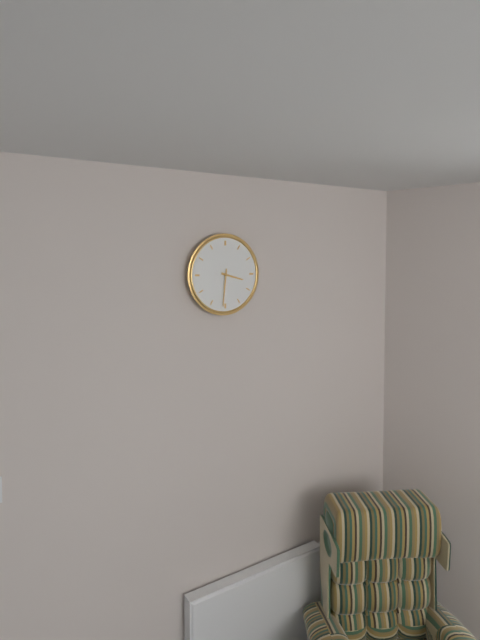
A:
3,31
